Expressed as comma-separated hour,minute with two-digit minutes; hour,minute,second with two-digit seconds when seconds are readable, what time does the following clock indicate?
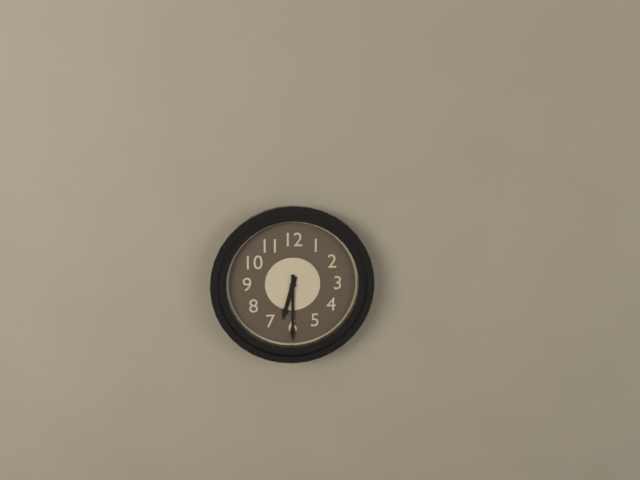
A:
6,30
